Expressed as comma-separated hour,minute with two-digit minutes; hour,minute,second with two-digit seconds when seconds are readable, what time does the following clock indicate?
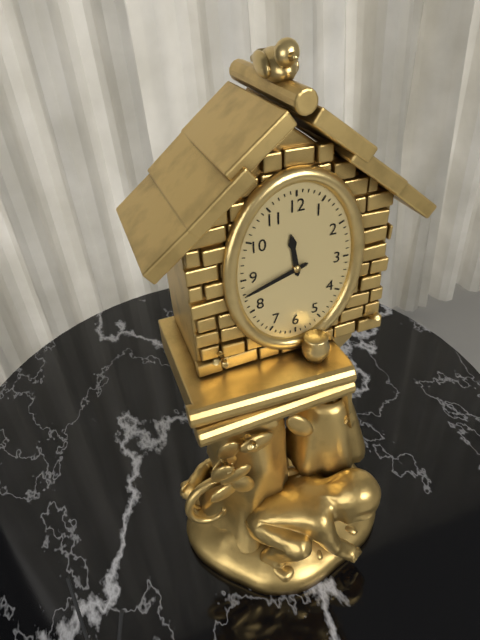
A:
11,42
